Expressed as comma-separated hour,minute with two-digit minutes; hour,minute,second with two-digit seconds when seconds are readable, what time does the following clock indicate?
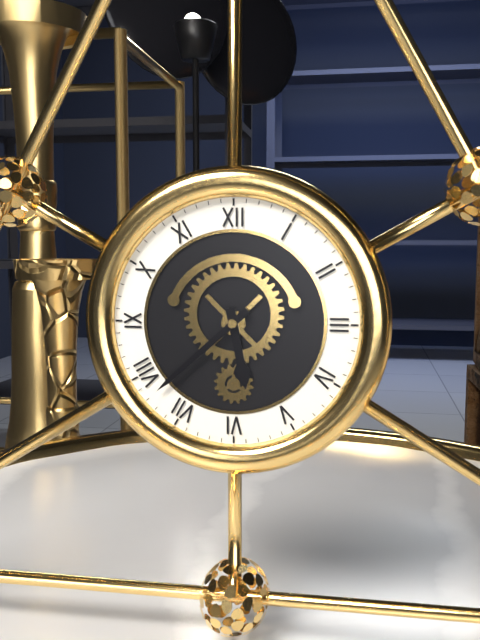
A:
5,38
